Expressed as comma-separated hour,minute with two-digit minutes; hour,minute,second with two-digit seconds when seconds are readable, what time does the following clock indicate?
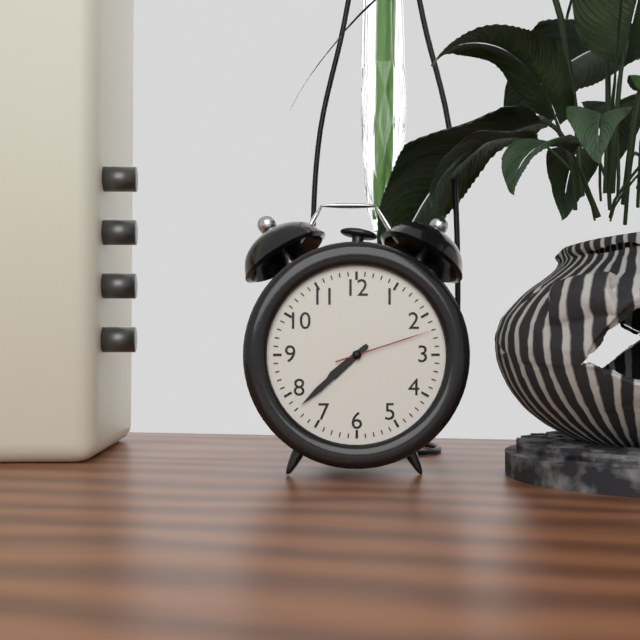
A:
7,38,12
